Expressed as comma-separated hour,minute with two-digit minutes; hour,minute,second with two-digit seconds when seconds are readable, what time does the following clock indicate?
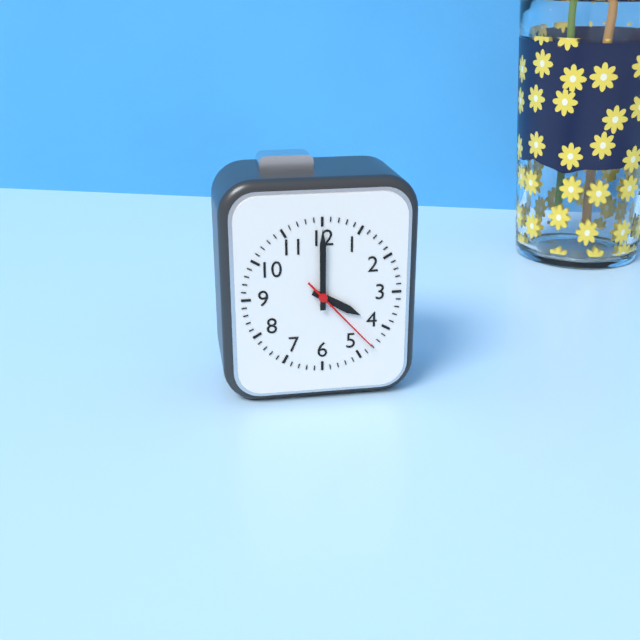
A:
4,00,23
